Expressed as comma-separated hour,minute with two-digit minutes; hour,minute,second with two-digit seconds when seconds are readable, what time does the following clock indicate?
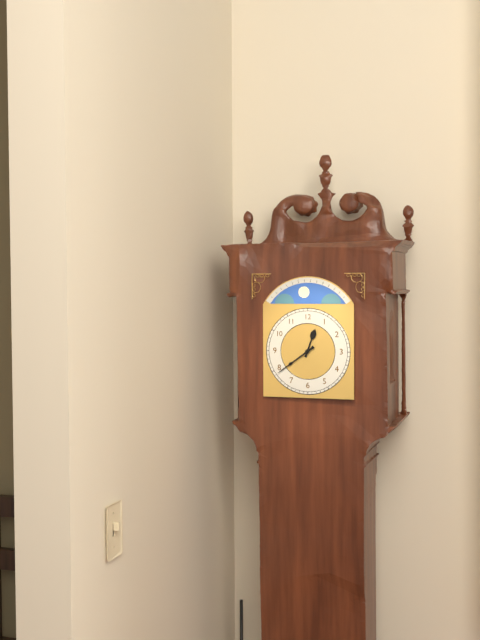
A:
12,39
